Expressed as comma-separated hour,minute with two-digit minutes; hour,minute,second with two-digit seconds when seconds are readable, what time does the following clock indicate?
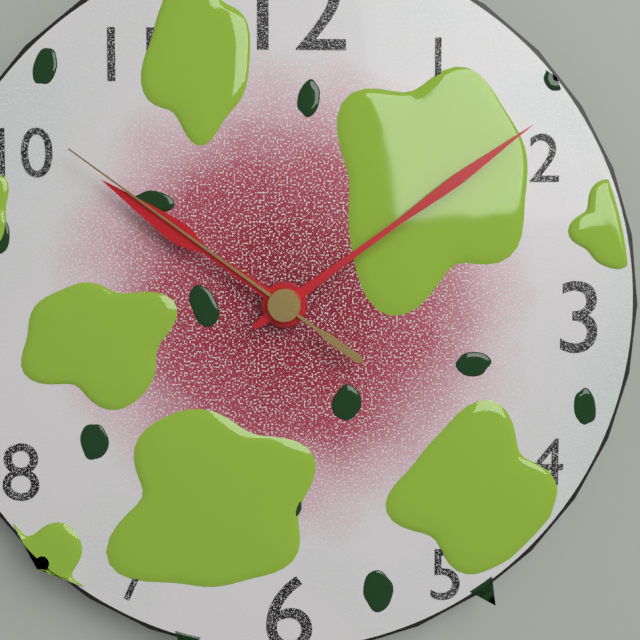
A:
10,09,51
